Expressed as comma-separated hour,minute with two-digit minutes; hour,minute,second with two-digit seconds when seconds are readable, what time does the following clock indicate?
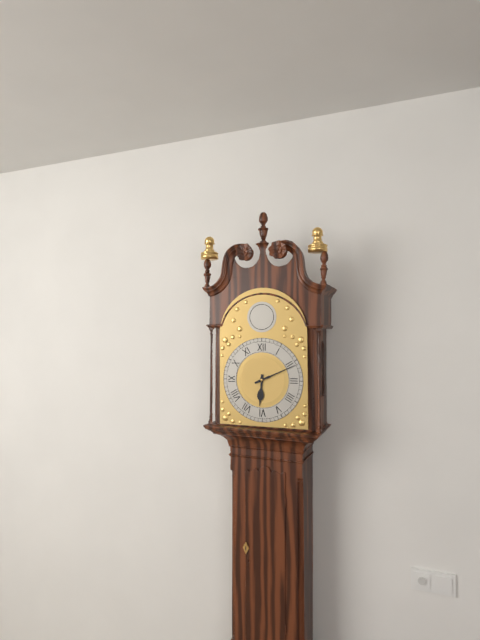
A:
6,11
